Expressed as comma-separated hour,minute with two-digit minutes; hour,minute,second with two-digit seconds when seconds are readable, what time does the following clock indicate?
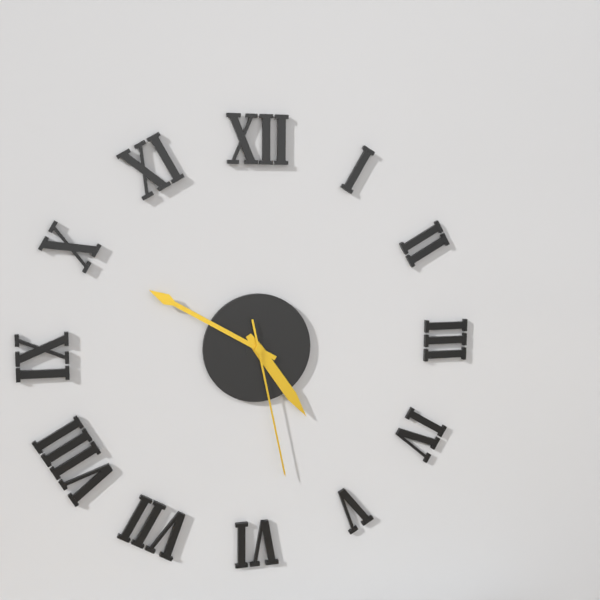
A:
4,50,28
